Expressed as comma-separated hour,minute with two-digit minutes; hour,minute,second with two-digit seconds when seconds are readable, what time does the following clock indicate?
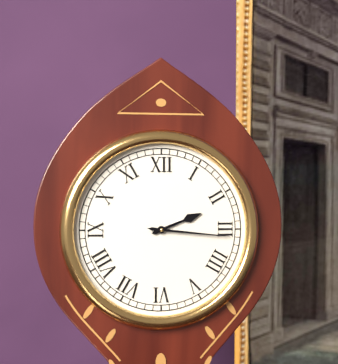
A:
2,16
